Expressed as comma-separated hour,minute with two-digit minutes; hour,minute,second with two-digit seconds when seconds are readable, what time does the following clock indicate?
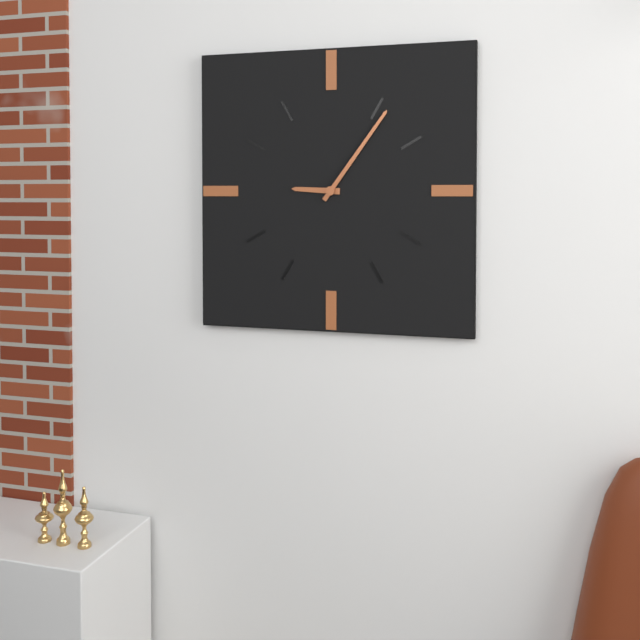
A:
9,06
